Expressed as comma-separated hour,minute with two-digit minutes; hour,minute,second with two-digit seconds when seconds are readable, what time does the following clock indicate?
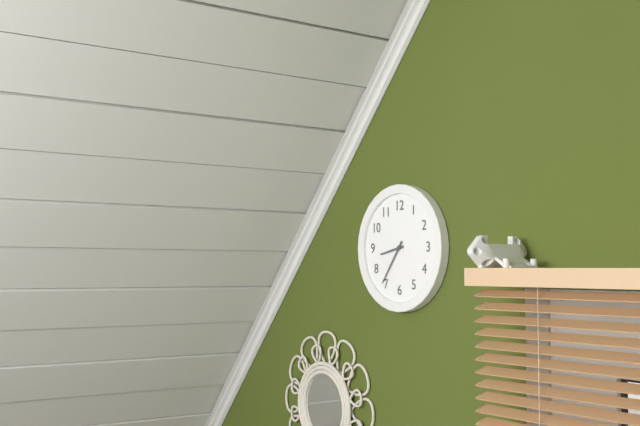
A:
8,36
